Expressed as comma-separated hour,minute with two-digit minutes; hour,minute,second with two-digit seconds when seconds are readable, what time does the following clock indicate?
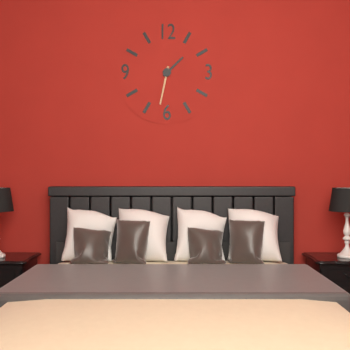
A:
1,32
